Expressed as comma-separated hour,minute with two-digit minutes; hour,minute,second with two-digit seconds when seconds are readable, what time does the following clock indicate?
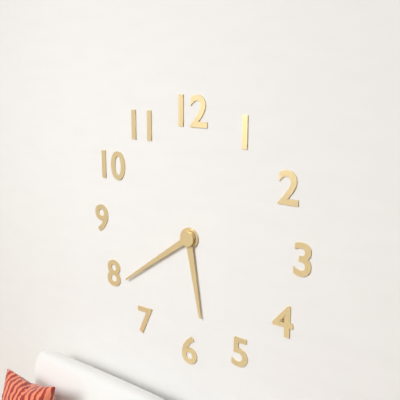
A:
5,39
